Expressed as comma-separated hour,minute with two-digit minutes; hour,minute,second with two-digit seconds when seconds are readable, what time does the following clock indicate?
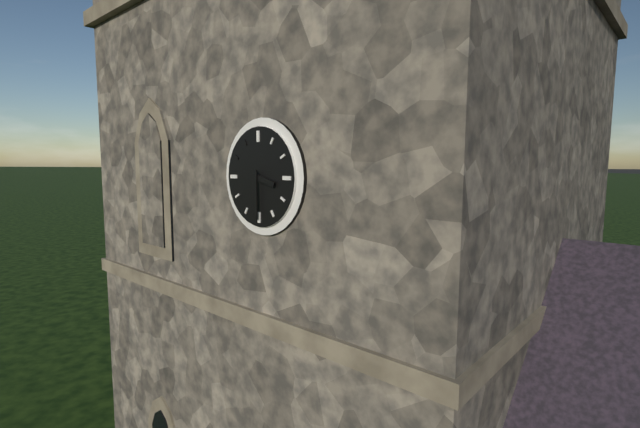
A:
3,30
